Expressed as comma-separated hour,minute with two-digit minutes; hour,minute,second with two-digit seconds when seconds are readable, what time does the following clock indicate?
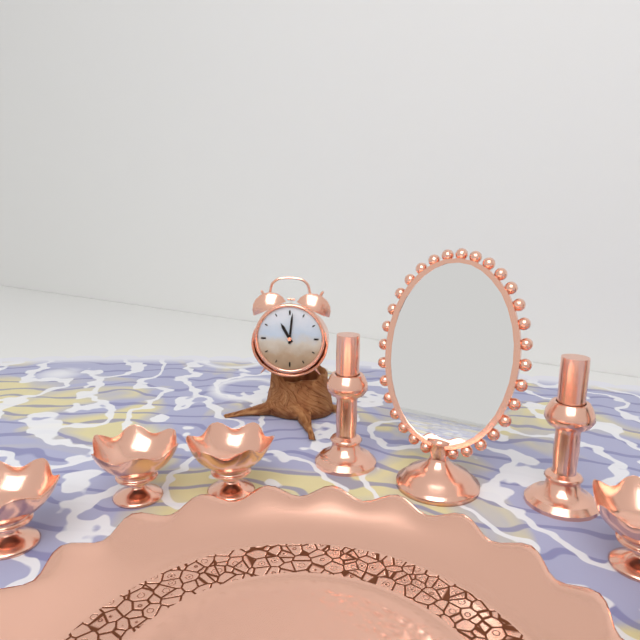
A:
11,01
